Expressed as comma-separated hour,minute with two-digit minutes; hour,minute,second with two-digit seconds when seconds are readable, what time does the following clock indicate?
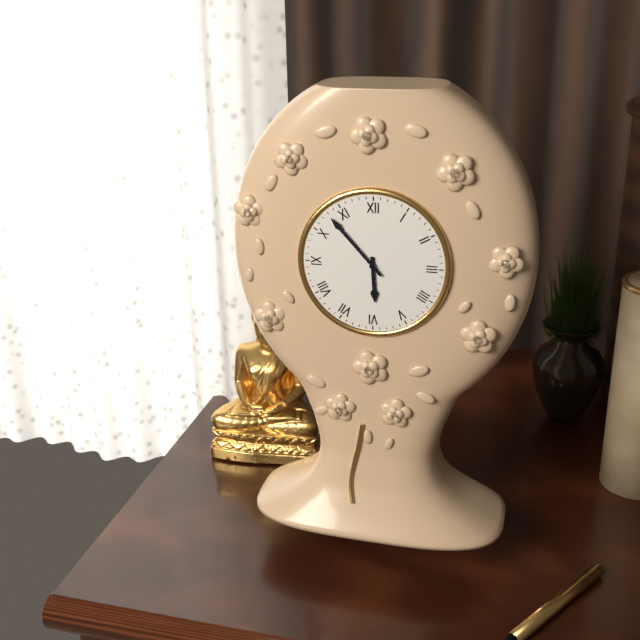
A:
5,53
